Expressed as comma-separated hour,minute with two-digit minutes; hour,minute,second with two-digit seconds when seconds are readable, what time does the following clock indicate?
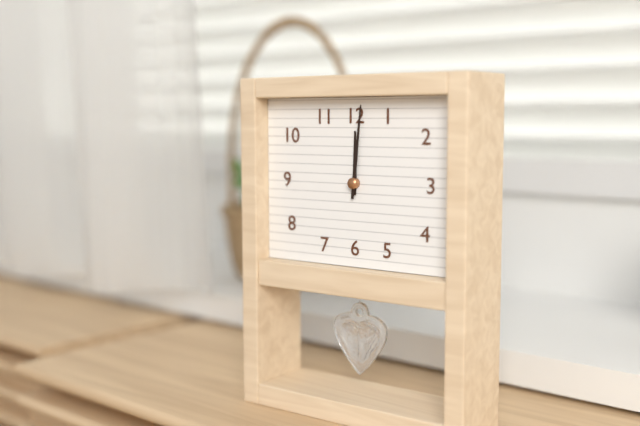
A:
12,01
